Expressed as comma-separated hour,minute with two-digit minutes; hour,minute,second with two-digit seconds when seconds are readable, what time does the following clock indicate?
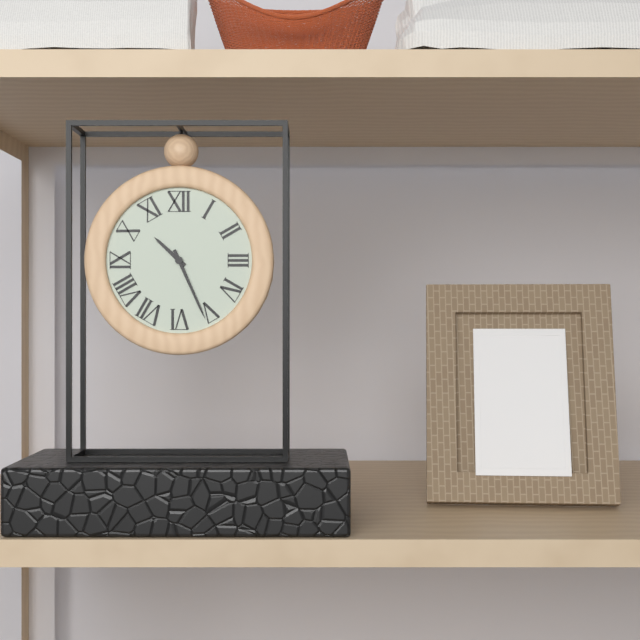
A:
10,26
